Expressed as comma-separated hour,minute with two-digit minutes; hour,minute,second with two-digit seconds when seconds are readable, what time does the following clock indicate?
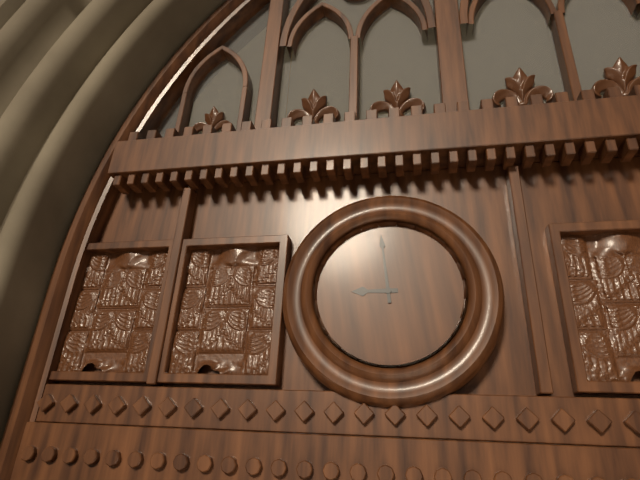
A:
8,59
